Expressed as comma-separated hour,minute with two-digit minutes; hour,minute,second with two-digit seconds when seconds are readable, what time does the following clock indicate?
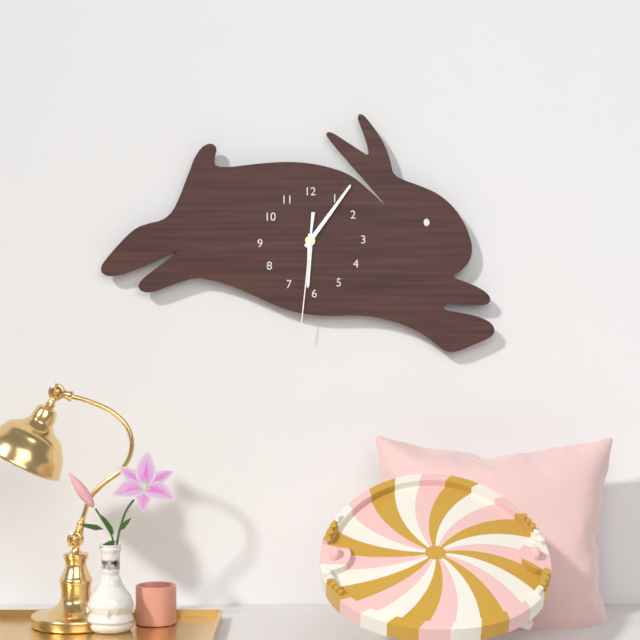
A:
6,06,31
